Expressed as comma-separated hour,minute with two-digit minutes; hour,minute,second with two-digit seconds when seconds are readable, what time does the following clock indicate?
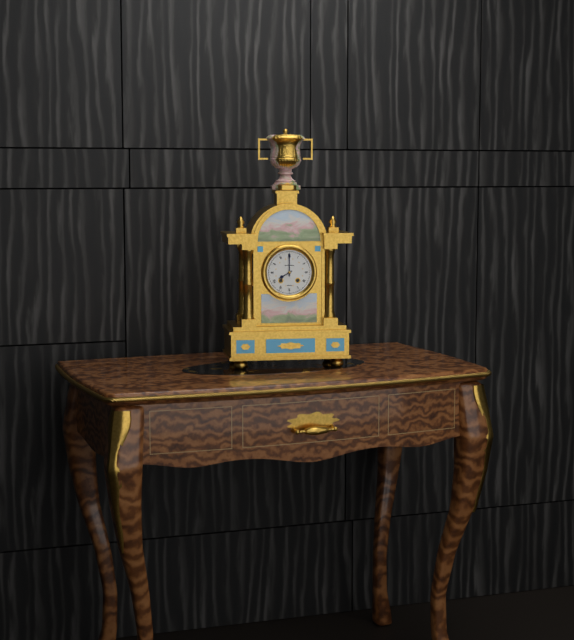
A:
8,00
